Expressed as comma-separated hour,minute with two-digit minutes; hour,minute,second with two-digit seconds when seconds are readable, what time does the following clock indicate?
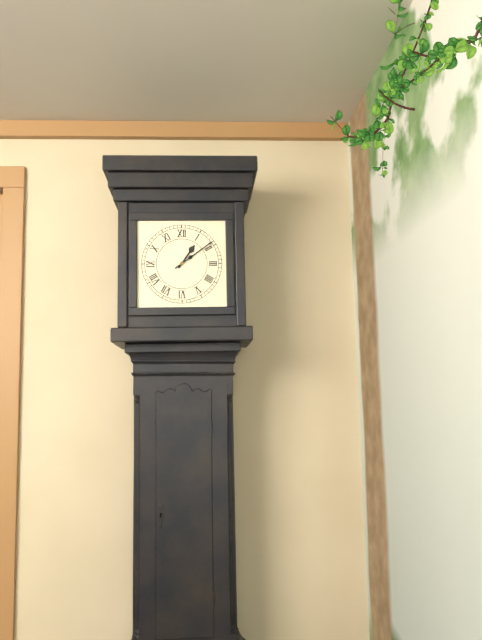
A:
1,09
